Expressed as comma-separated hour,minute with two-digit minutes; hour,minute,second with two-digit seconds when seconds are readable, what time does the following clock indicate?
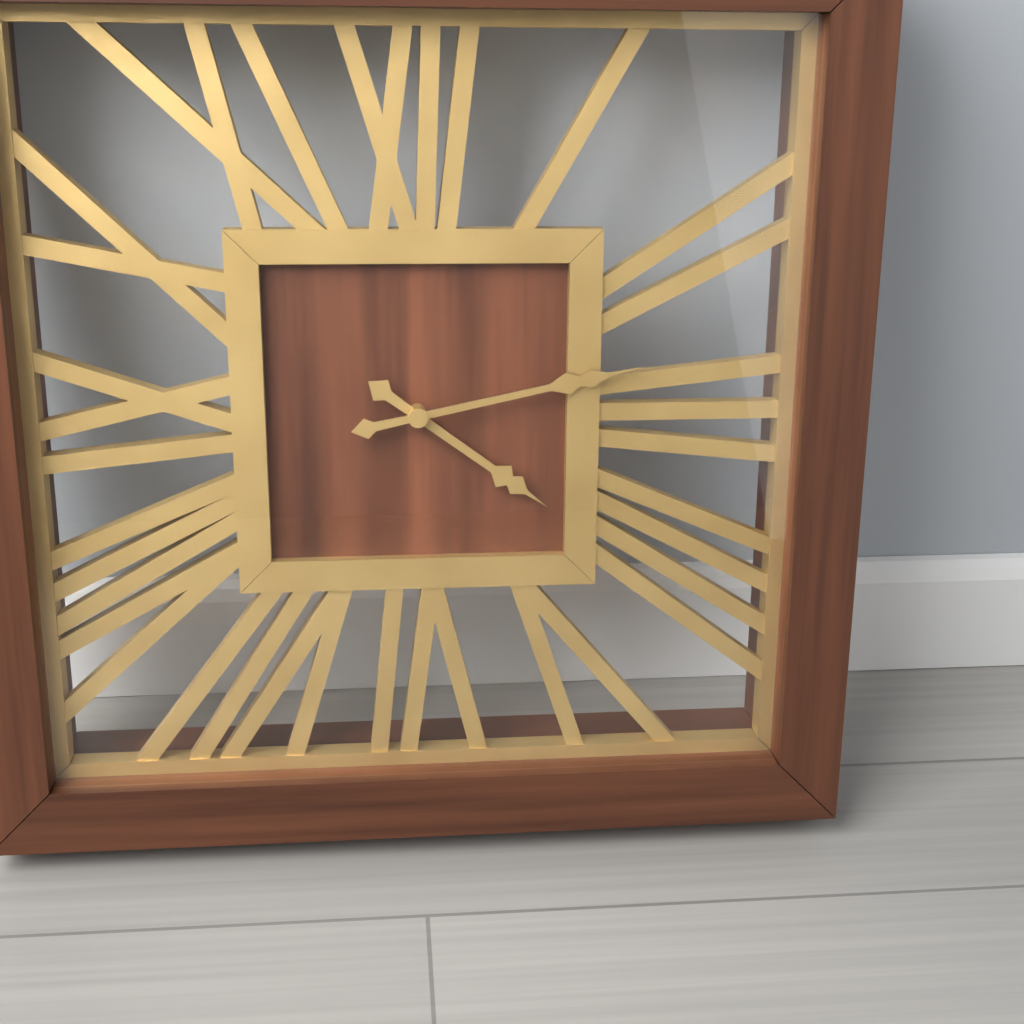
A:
4,13
